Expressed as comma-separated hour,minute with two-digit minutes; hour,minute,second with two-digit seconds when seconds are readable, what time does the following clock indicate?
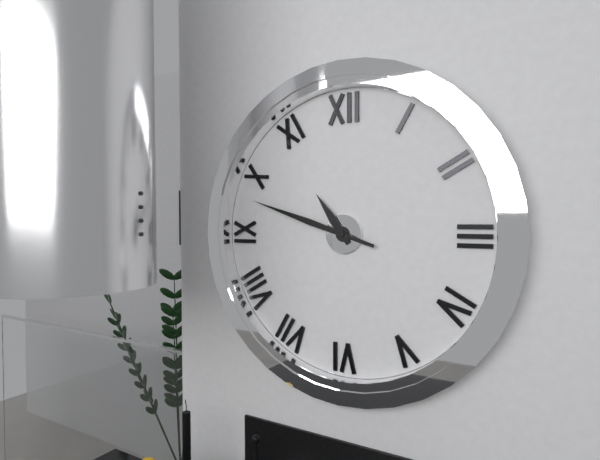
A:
10,48
